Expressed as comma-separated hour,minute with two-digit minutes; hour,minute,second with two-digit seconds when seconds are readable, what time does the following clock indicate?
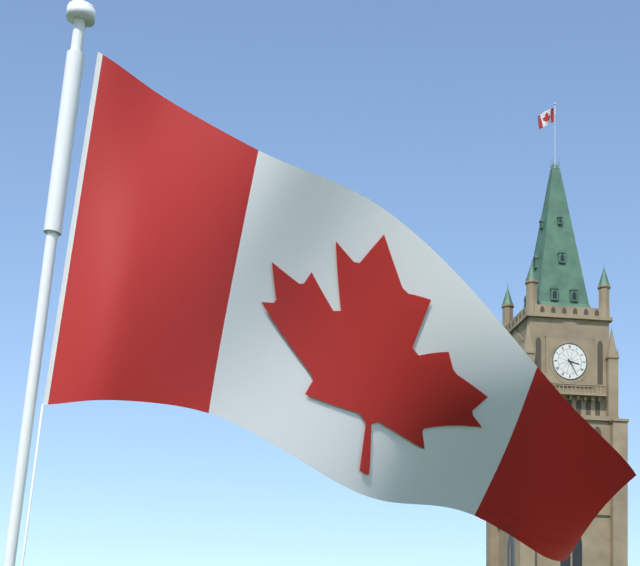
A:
3,25
